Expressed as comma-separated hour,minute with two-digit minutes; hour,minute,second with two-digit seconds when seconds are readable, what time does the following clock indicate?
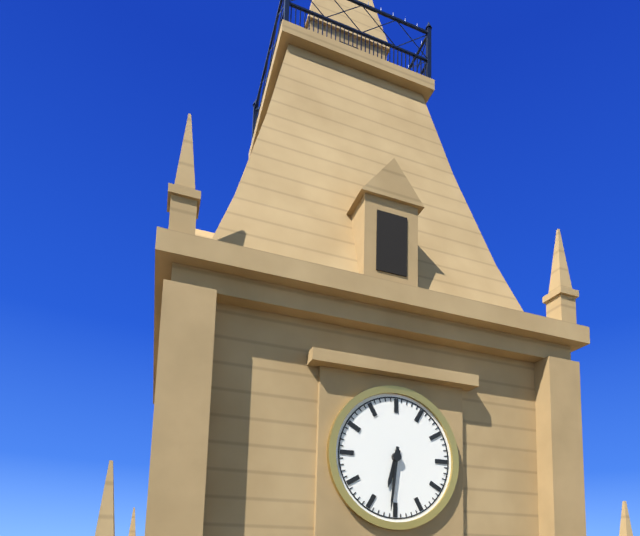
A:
6,31
